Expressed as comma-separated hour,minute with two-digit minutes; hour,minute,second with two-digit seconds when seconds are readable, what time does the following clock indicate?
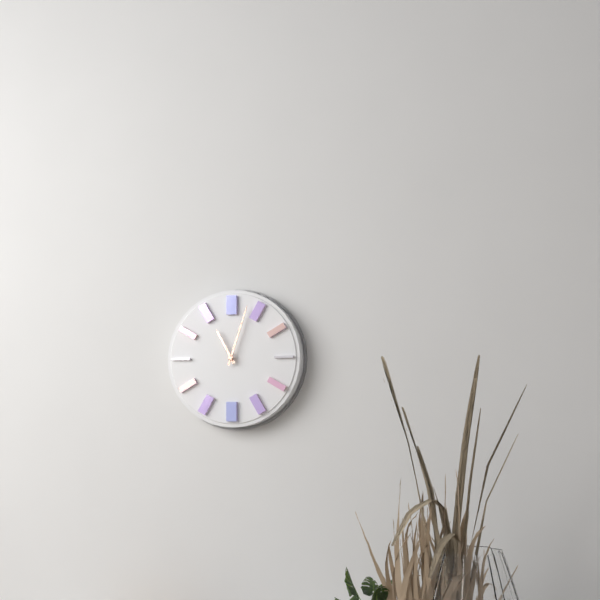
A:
11,03
